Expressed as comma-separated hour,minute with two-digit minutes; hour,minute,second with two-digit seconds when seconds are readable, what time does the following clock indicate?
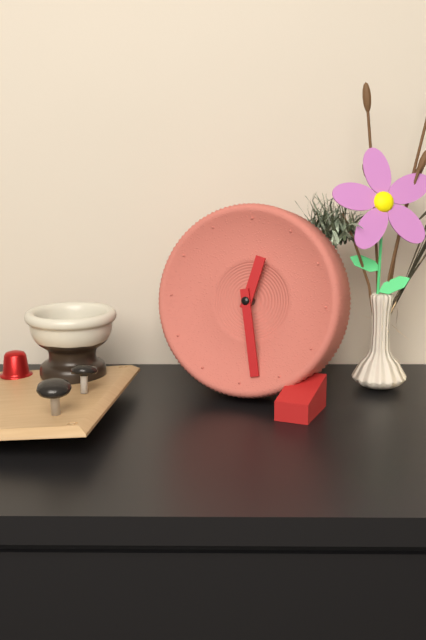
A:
12,28
